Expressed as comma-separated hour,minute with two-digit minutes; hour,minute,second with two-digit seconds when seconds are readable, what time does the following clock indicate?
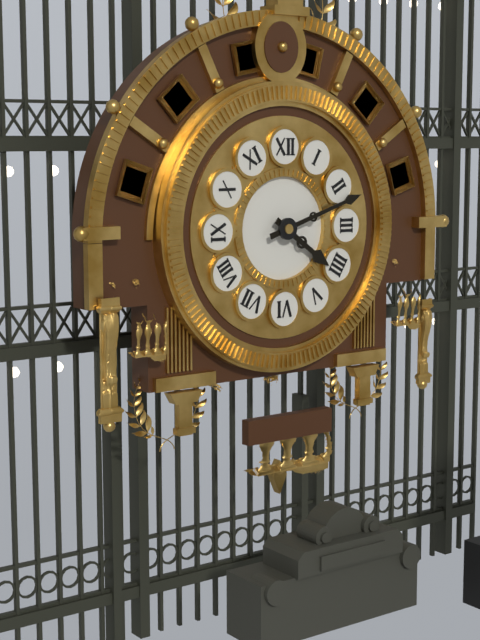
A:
4,12
